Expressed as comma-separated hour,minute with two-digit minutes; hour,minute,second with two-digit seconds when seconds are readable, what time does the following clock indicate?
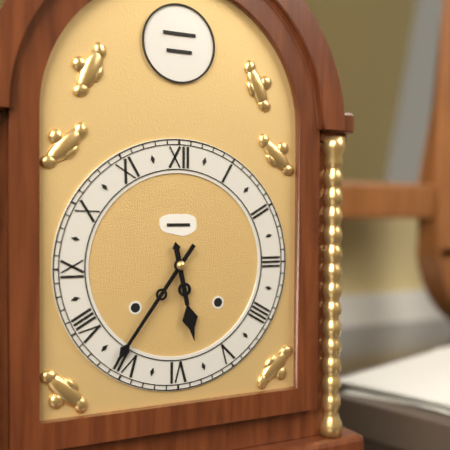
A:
5,36
